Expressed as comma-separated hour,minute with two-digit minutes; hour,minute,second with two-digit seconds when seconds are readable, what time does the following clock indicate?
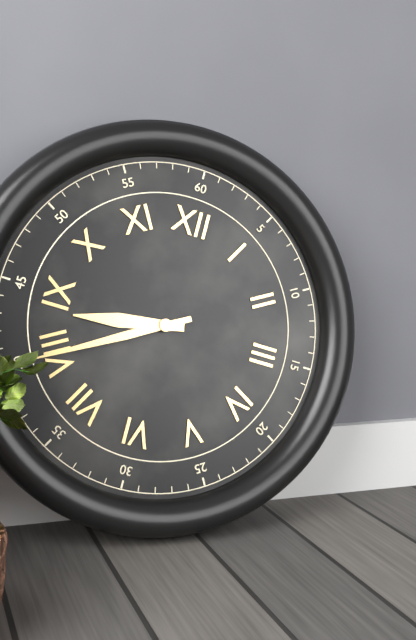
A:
8,40
